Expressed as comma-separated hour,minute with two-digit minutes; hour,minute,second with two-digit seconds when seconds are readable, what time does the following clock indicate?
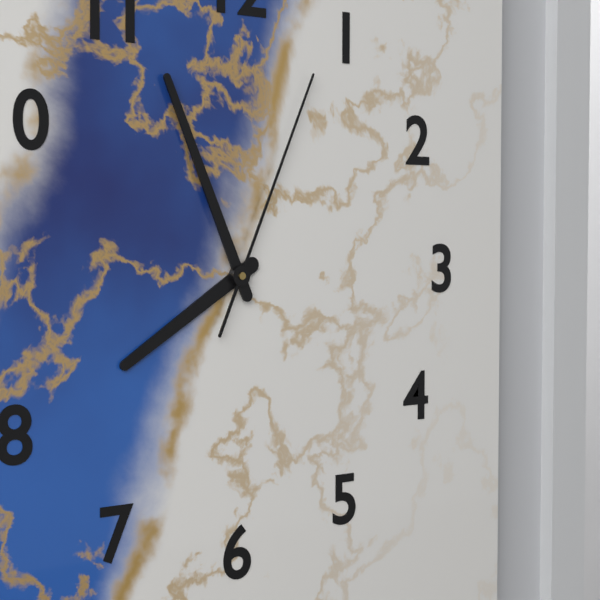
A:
7,56,04
